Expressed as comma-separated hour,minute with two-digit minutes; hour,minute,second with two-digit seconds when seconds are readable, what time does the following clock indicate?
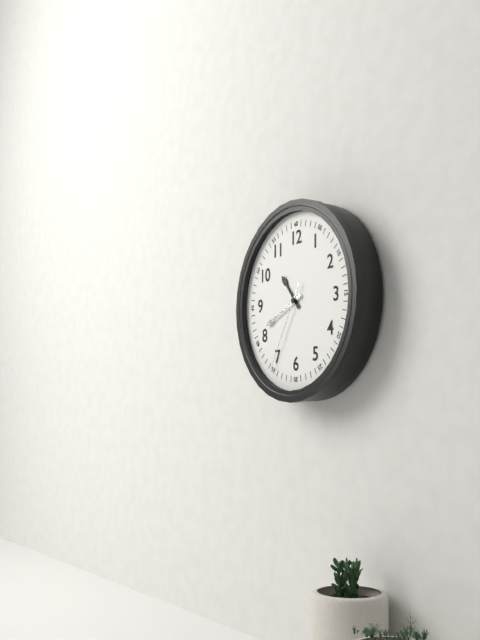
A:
10,41,35
